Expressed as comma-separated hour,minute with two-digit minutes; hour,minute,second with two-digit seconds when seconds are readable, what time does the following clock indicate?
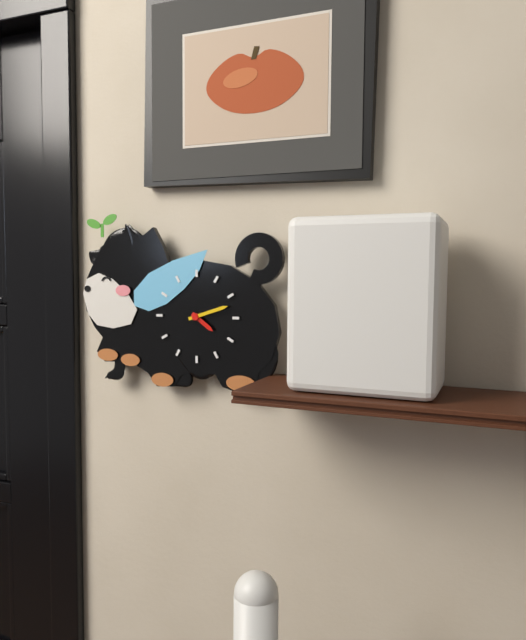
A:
4,12
